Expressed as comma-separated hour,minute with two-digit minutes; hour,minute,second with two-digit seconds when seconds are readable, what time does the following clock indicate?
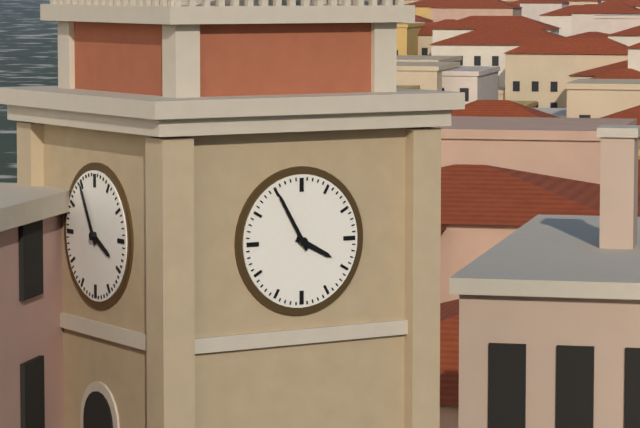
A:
3,55
